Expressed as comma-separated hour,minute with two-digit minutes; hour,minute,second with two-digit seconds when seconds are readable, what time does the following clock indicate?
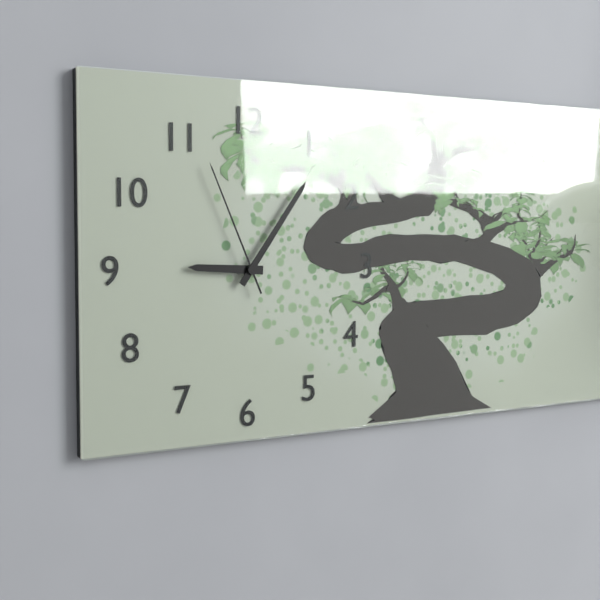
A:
9,06,56
